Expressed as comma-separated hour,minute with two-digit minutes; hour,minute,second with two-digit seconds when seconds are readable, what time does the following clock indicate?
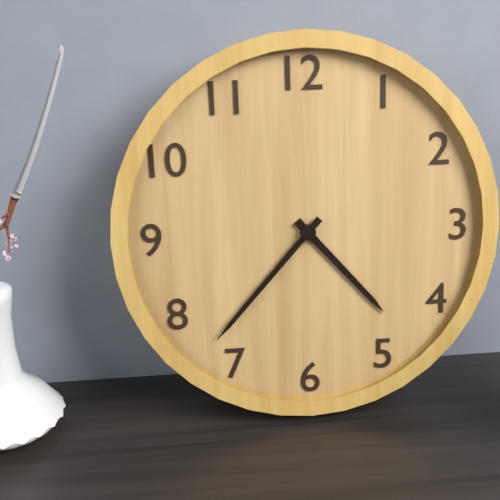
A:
4,37
